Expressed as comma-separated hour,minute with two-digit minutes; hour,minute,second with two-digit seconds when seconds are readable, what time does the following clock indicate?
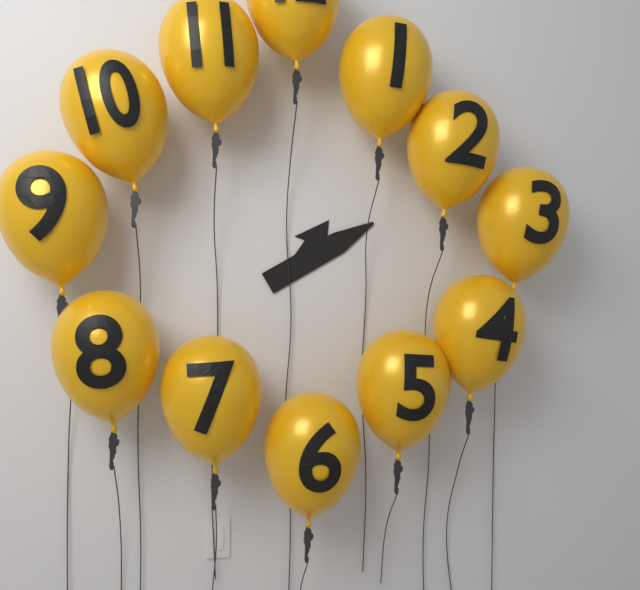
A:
1,10
